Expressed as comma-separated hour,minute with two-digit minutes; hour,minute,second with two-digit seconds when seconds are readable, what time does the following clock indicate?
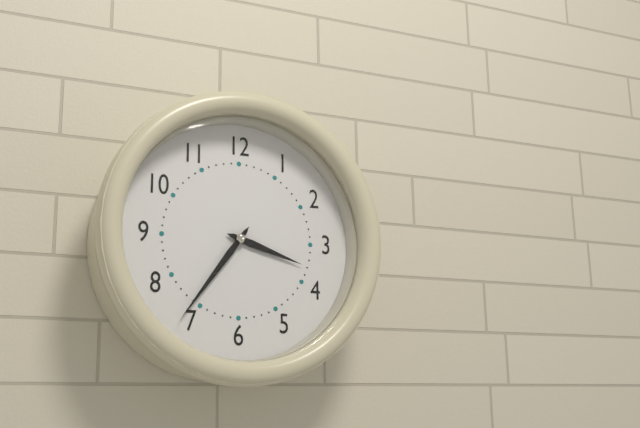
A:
3,36
